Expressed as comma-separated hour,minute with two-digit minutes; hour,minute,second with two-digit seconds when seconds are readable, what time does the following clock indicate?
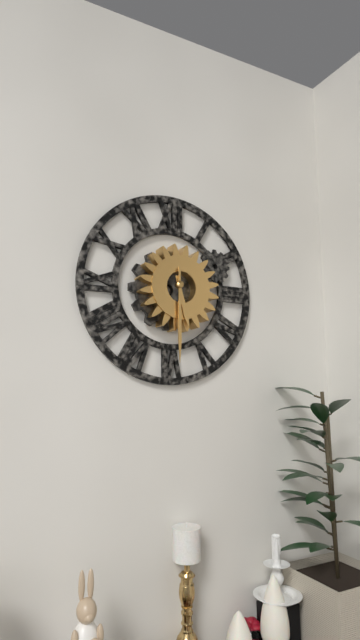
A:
5,30
